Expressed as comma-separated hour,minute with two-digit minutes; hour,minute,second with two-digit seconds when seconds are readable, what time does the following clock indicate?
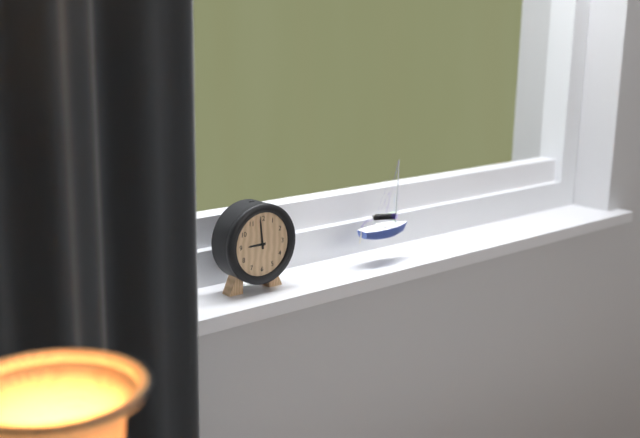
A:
8,59
